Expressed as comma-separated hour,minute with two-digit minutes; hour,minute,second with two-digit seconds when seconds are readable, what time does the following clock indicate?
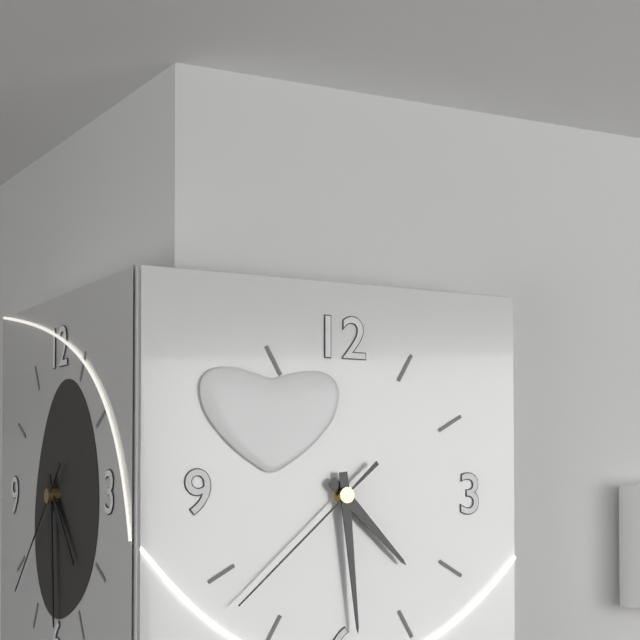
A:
4,29,38
